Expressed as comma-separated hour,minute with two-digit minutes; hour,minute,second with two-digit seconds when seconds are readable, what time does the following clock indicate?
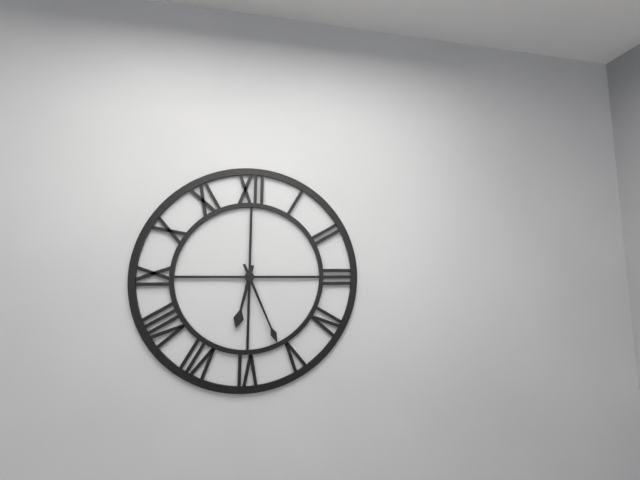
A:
6,26
